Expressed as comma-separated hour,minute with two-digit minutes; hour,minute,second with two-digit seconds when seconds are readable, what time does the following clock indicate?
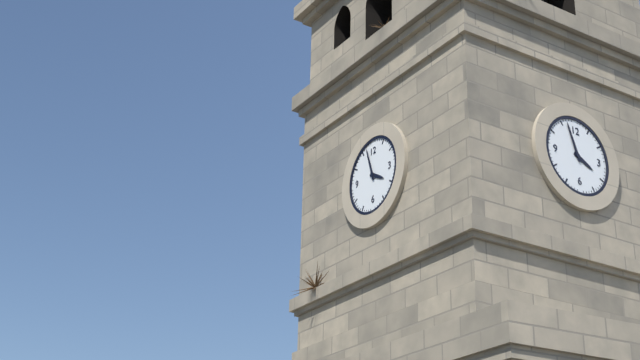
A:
3,57
